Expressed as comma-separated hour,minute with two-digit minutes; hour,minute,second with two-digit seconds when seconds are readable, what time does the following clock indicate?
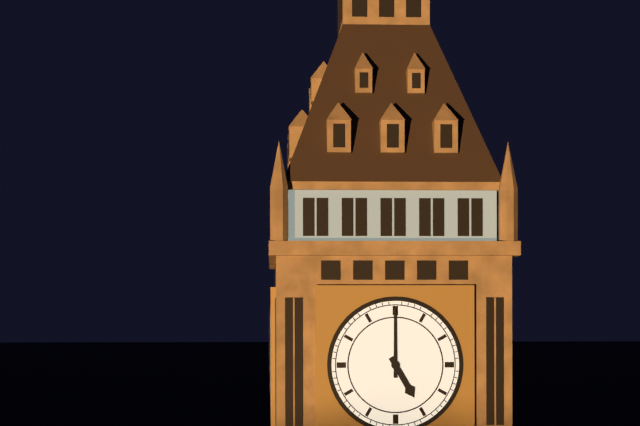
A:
5,00
